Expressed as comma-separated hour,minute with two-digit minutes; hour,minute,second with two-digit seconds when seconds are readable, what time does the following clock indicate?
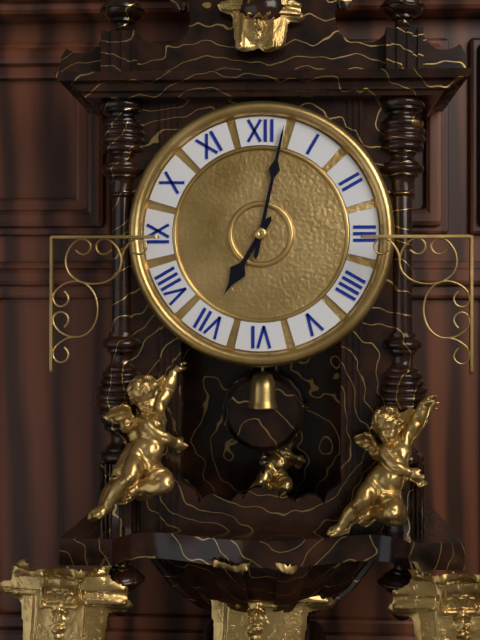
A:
7,02
